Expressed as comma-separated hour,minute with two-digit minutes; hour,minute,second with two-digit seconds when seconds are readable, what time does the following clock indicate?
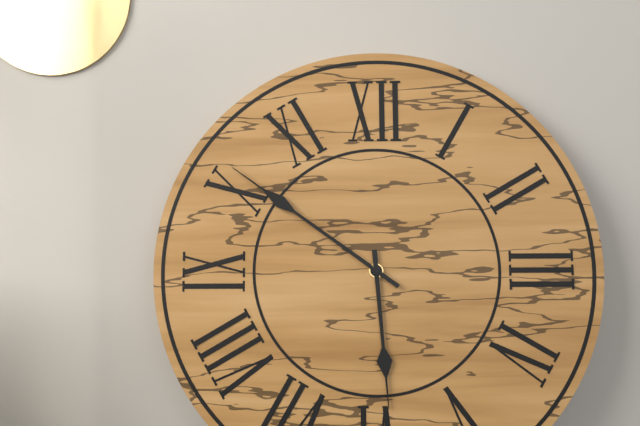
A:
5,51
